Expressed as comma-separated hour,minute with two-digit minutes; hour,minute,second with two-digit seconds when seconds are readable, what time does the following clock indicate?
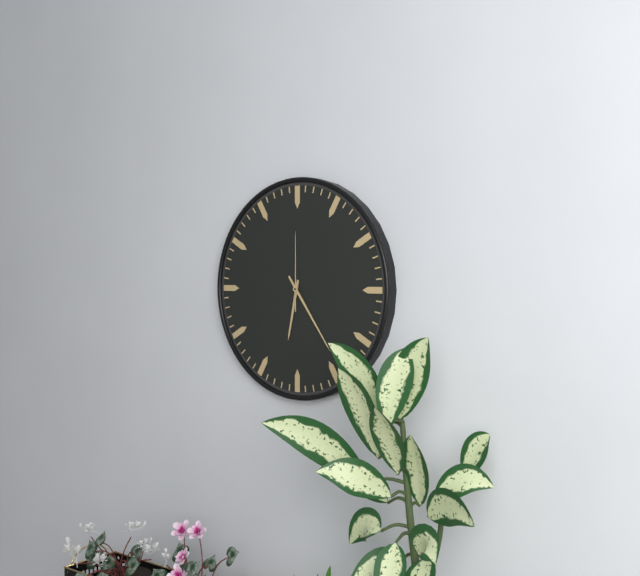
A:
6,24,00
